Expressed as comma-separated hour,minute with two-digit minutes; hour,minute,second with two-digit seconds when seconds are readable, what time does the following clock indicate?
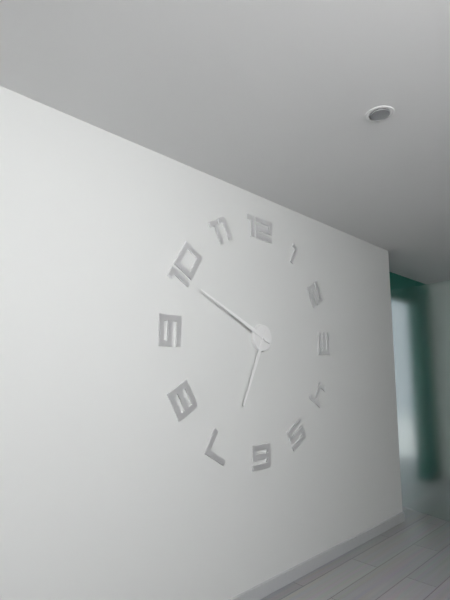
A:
6,49
